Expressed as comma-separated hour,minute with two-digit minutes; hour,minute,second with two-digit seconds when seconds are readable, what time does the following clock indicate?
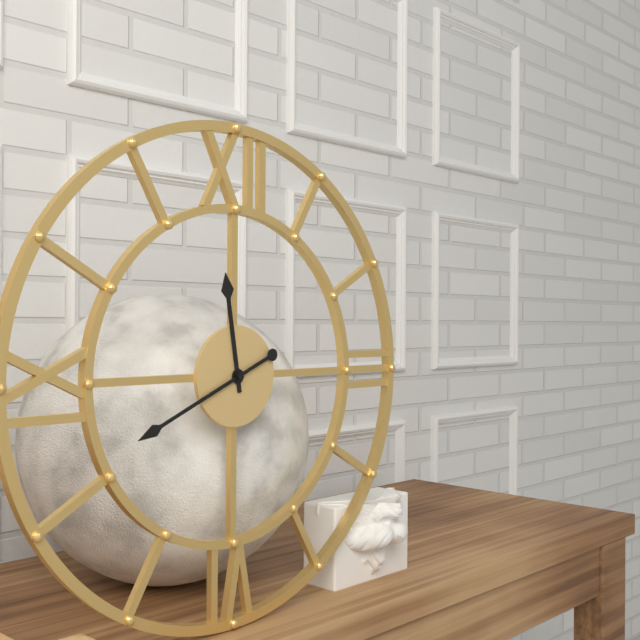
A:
11,41
